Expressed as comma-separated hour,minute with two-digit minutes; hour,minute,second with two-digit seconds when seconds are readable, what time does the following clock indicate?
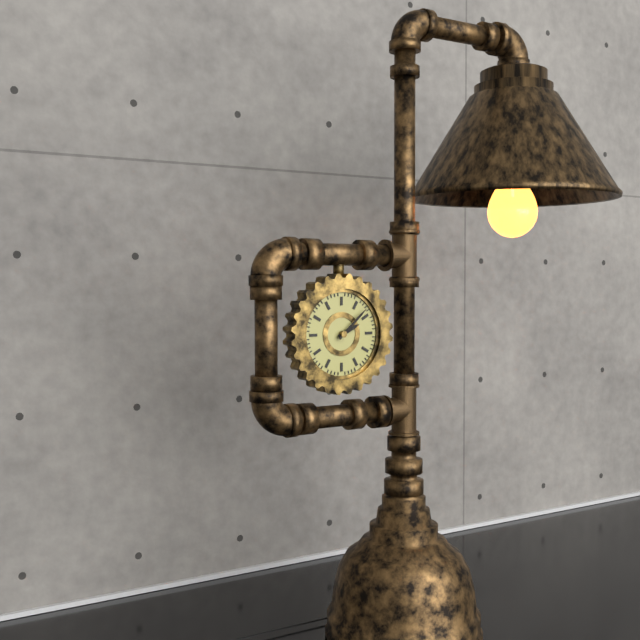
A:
2,08
